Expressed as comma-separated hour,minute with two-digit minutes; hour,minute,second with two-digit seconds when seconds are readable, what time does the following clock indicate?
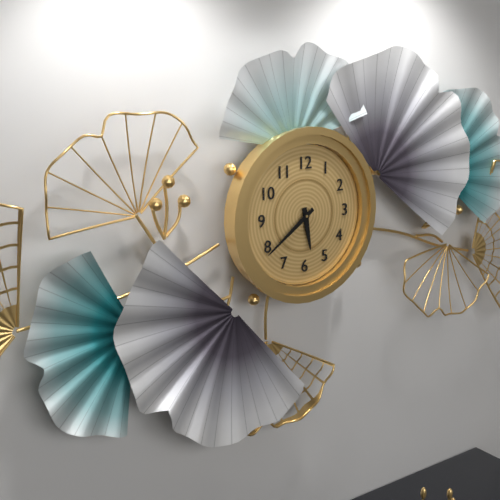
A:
5,39
